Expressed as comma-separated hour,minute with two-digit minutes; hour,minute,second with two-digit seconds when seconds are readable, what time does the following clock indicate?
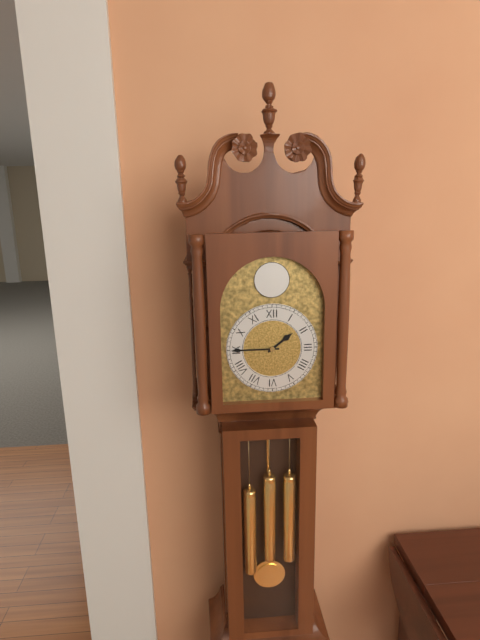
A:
1,45
